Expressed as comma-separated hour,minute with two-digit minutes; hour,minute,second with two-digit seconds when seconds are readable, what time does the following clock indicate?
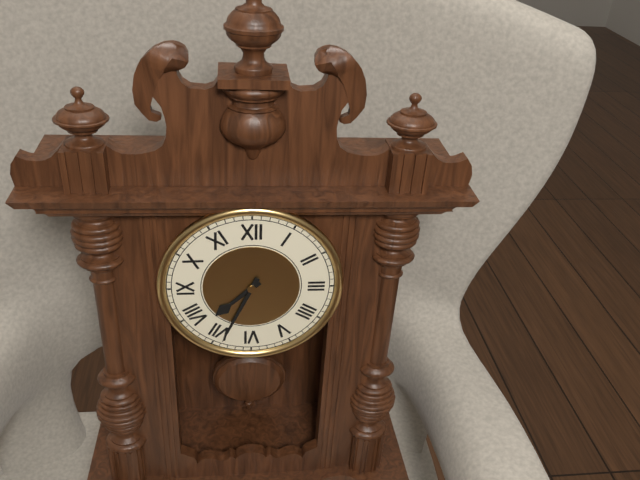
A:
7,34
